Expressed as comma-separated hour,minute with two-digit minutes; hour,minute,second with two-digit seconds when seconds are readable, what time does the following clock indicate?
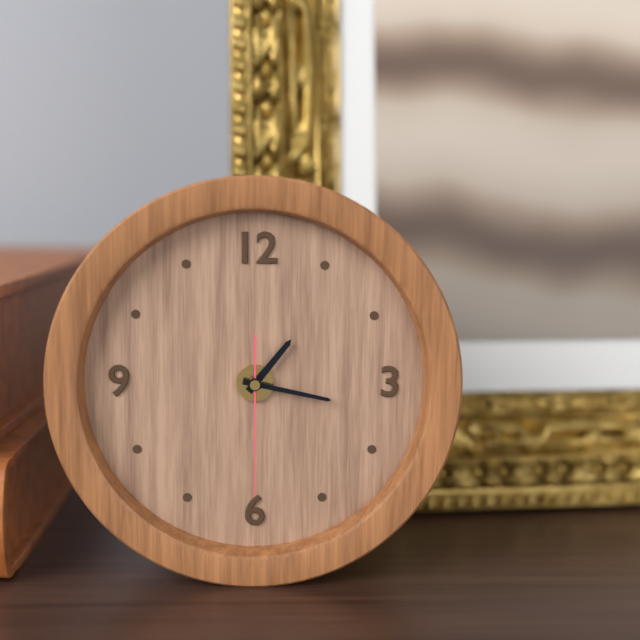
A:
1,17,30
